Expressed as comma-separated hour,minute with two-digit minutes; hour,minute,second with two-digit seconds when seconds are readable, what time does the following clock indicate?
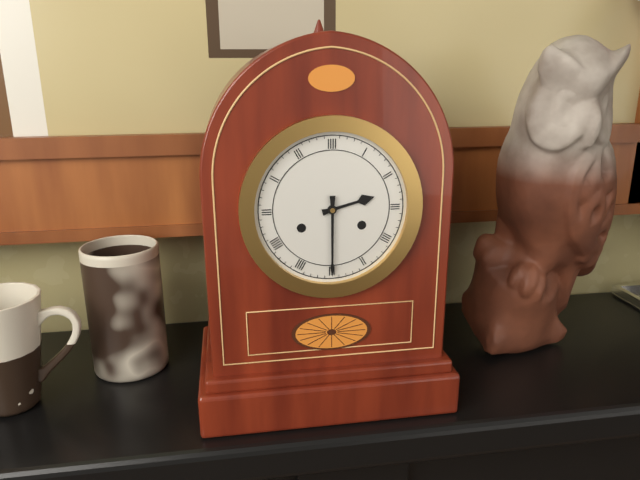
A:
2,30
